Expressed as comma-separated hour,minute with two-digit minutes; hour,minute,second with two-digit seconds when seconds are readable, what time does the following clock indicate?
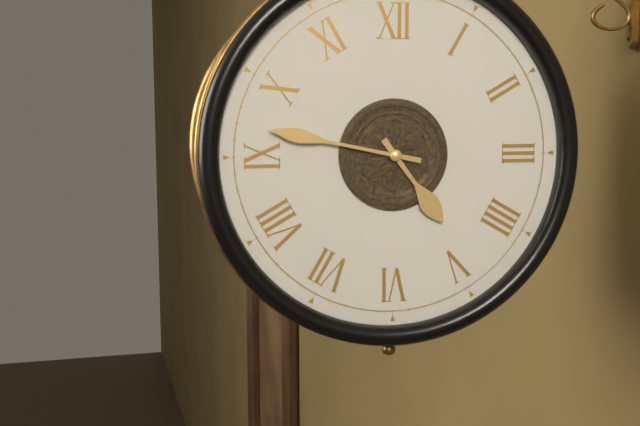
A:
4,47
